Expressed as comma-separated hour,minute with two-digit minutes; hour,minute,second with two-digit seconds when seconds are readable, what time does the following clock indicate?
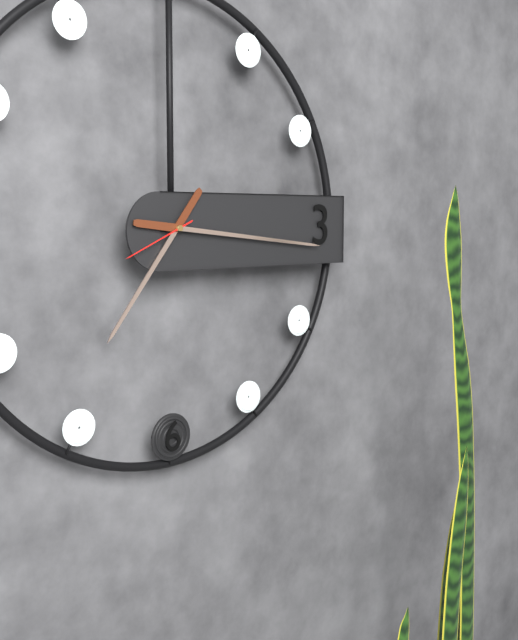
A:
7,16,41
